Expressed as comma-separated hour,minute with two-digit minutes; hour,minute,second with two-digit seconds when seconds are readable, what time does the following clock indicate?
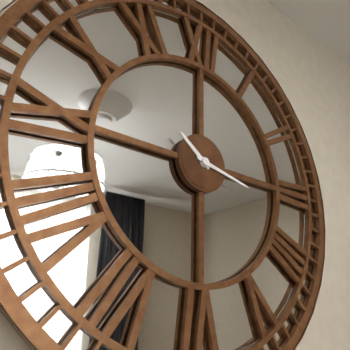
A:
10,17
